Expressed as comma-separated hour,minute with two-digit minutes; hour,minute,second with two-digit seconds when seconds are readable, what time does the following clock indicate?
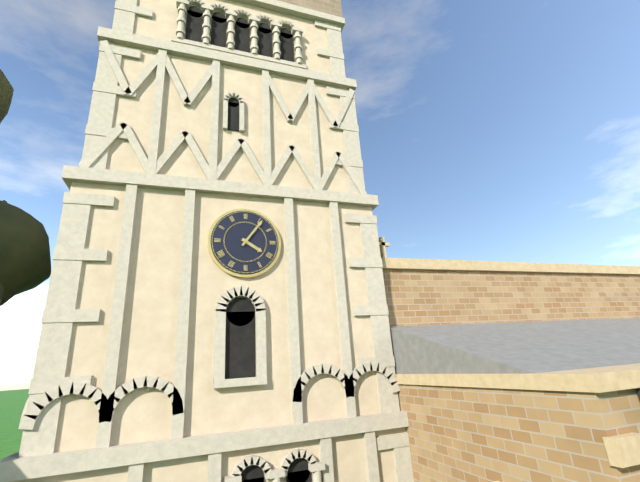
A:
4,06
